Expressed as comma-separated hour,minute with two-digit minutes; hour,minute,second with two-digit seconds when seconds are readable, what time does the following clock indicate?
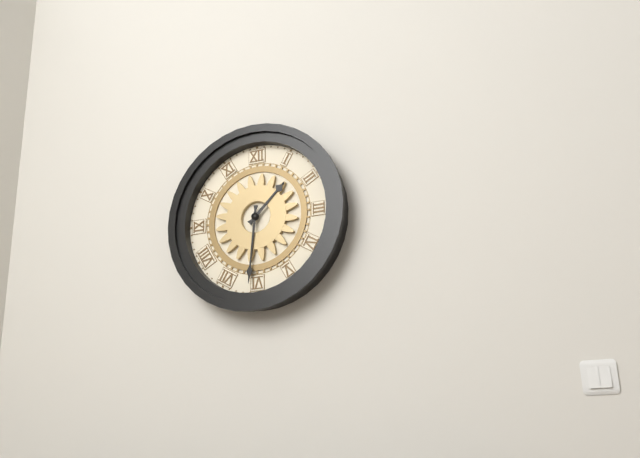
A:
1,31
